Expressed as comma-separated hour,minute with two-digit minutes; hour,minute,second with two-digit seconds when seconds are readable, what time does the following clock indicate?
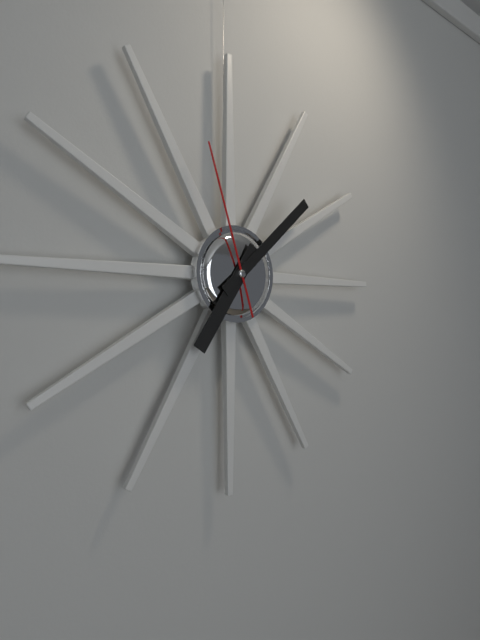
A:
7,08,57
